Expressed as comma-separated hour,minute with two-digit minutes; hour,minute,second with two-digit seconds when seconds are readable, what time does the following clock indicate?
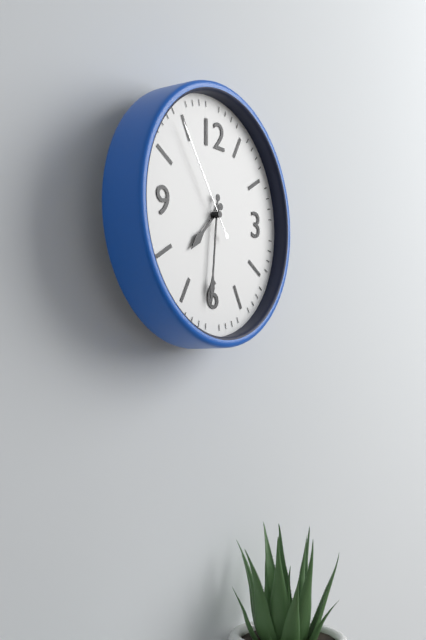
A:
7,31,54
